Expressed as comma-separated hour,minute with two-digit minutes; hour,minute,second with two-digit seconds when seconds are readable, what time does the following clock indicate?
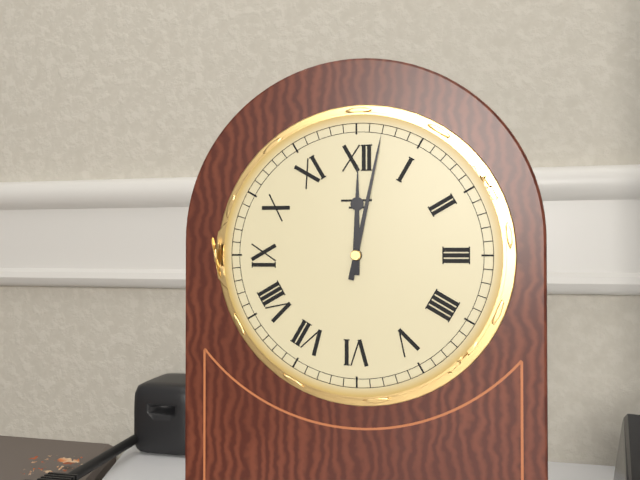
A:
12,02
